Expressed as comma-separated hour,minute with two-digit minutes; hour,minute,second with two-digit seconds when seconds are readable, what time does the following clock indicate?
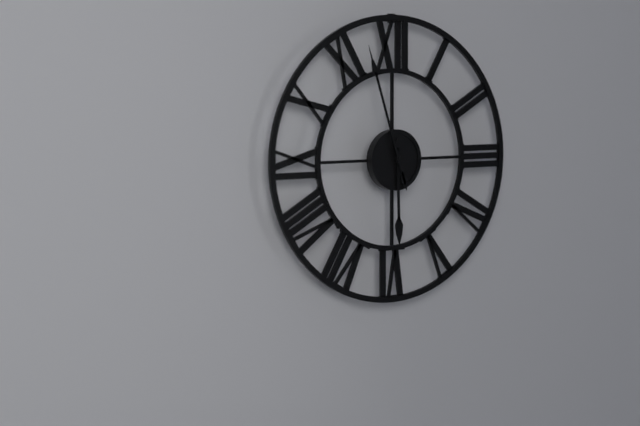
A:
5,57
